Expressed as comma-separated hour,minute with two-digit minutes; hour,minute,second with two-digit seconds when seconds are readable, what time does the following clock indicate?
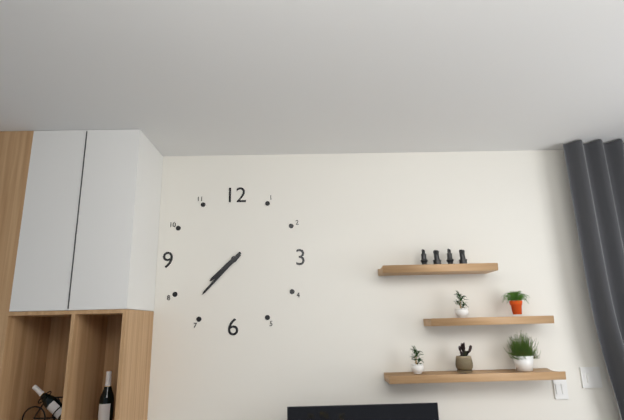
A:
7,37
